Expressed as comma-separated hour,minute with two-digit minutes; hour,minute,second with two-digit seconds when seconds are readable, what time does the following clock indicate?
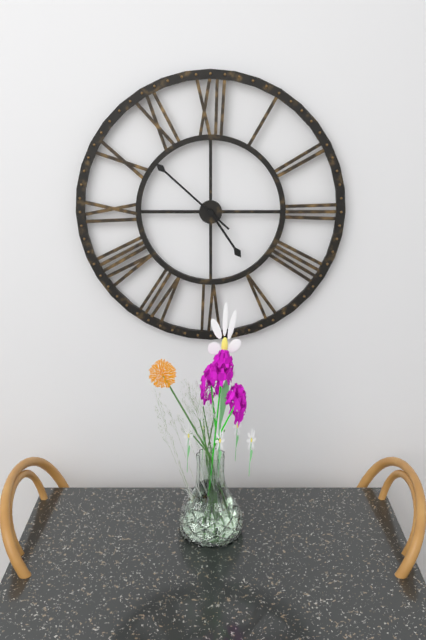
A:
4,52
